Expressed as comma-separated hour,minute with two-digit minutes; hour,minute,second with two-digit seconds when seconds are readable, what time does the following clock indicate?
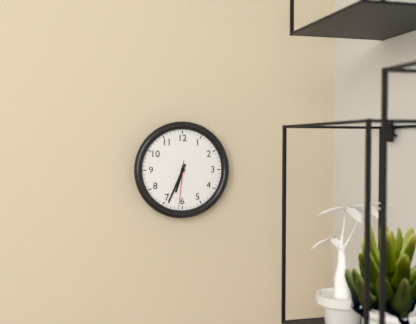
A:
6,34
